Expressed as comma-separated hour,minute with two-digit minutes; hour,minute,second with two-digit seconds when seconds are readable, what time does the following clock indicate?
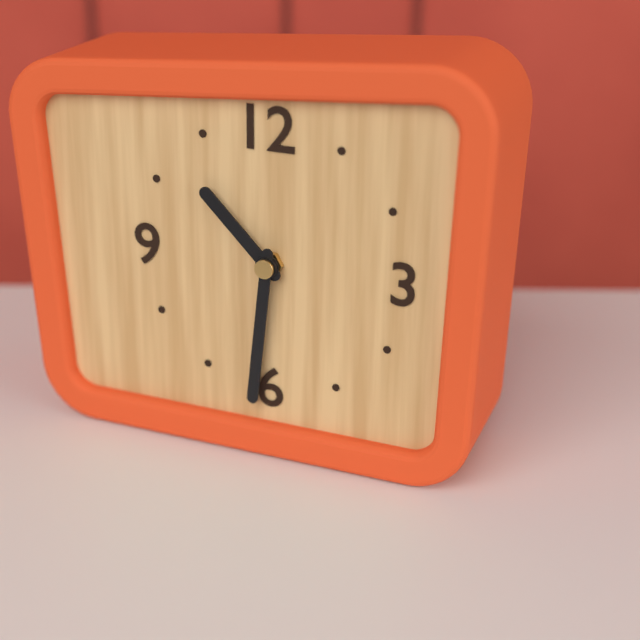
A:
10,31
